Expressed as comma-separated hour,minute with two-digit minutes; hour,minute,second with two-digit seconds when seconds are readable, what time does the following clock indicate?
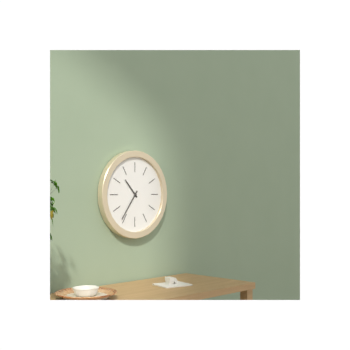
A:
10,36
